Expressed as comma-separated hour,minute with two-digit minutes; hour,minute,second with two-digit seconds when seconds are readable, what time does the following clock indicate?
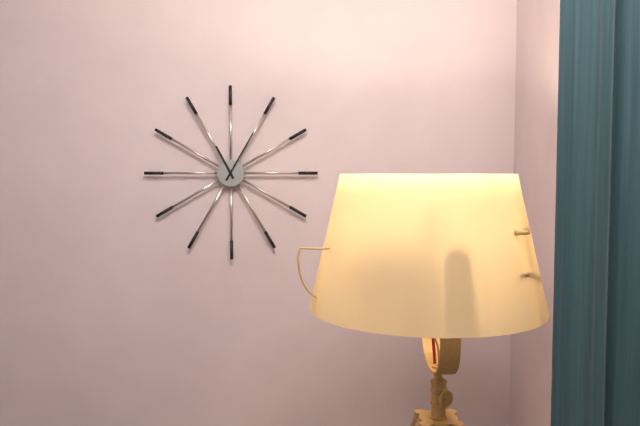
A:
11,05
